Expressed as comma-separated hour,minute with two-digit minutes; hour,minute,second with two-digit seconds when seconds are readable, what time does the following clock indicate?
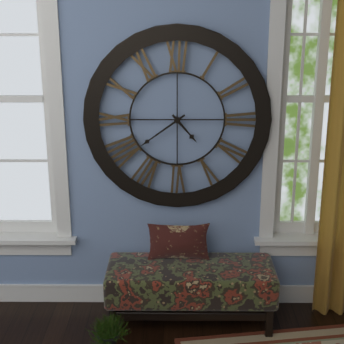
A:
4,39
